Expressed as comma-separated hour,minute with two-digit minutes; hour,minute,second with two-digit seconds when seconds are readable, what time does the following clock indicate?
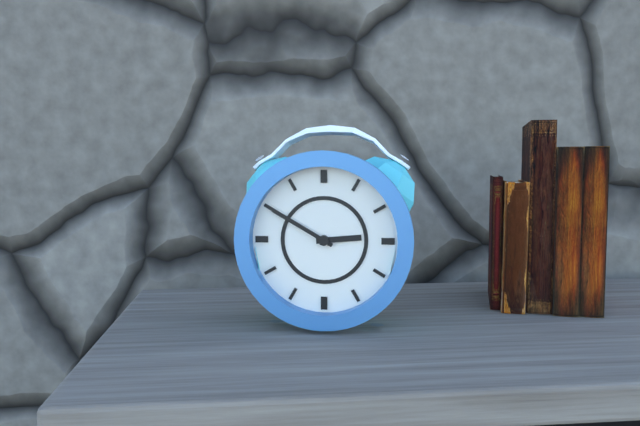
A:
2,50
